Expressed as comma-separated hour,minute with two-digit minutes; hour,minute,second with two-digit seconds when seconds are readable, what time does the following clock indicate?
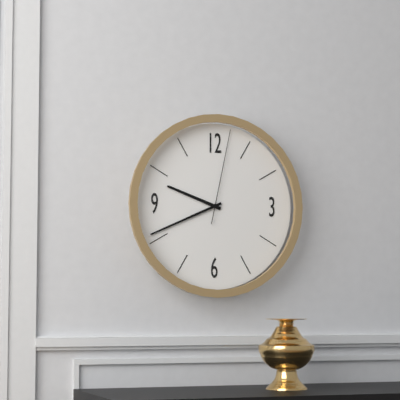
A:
9,41,02
